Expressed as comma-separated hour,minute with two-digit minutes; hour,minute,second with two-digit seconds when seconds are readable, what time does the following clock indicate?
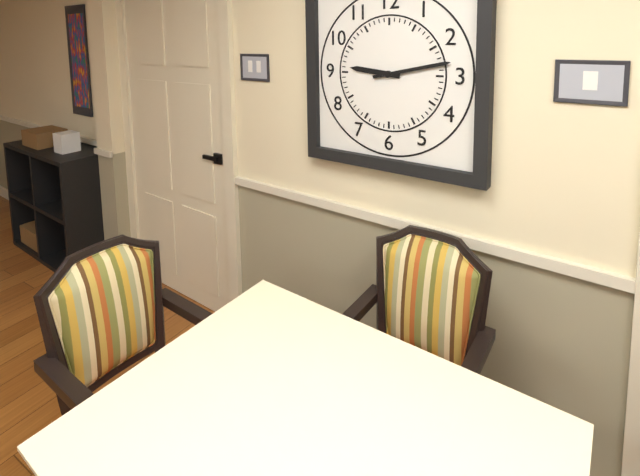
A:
9,13
